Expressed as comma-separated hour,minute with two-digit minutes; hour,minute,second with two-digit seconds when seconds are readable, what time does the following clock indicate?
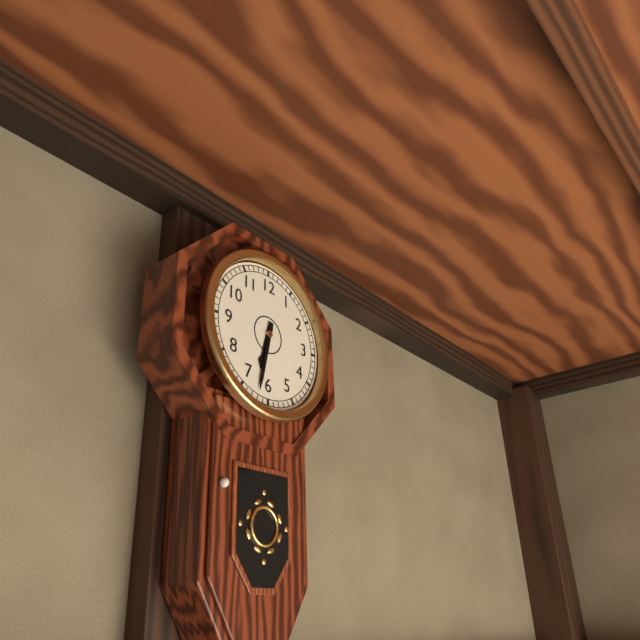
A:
6,32
